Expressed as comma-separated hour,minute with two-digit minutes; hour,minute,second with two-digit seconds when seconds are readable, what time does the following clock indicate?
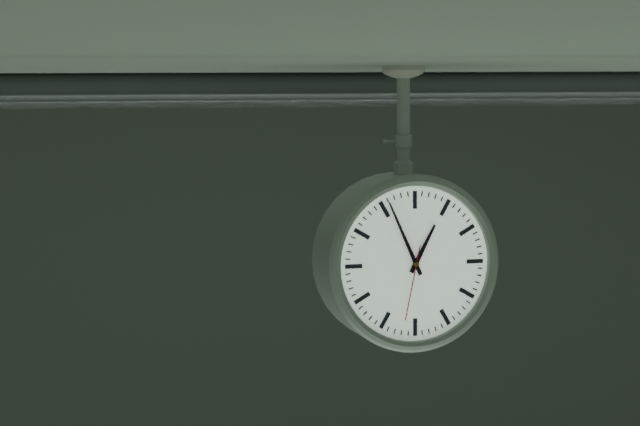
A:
12,56,32
